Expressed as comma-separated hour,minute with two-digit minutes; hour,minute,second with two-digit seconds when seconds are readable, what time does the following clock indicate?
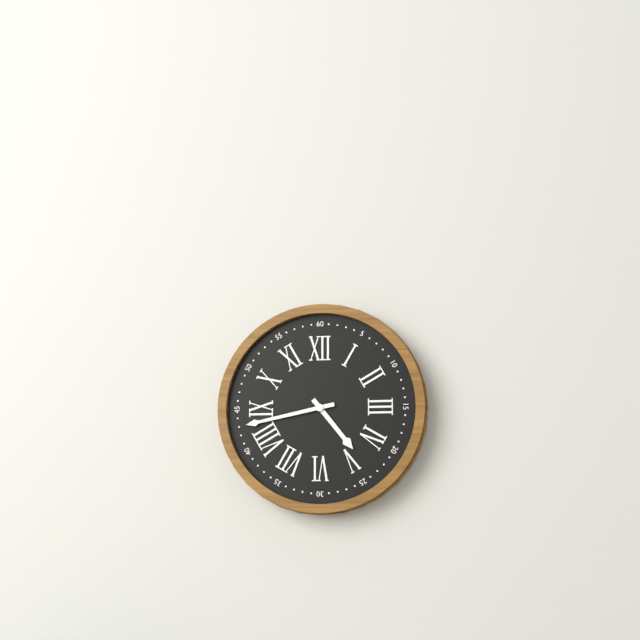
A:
4,43
